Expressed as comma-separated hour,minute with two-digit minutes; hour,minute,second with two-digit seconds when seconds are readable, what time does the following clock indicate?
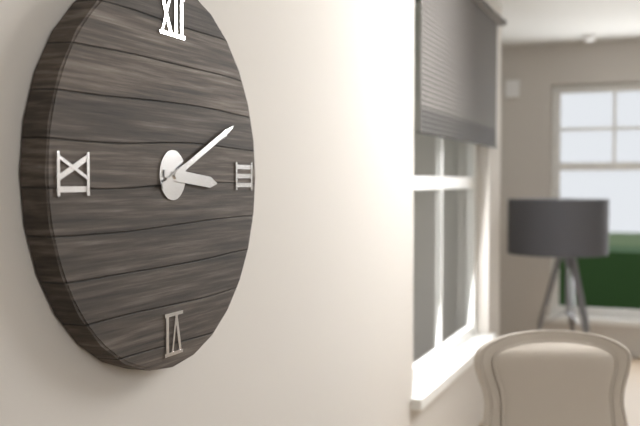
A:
3,11
